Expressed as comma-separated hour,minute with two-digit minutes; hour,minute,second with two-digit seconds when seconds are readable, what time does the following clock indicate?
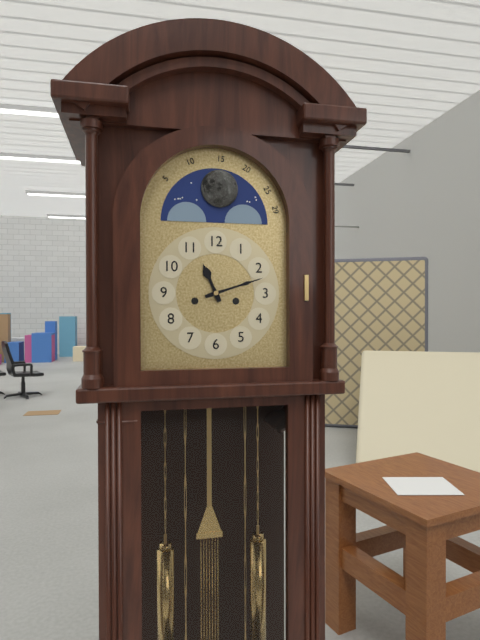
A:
11,12
